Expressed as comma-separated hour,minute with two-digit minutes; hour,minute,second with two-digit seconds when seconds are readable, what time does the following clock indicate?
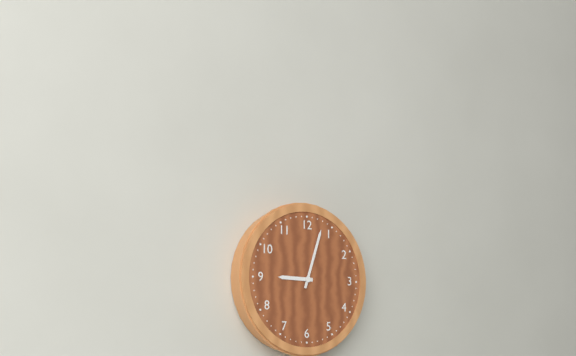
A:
9,03
